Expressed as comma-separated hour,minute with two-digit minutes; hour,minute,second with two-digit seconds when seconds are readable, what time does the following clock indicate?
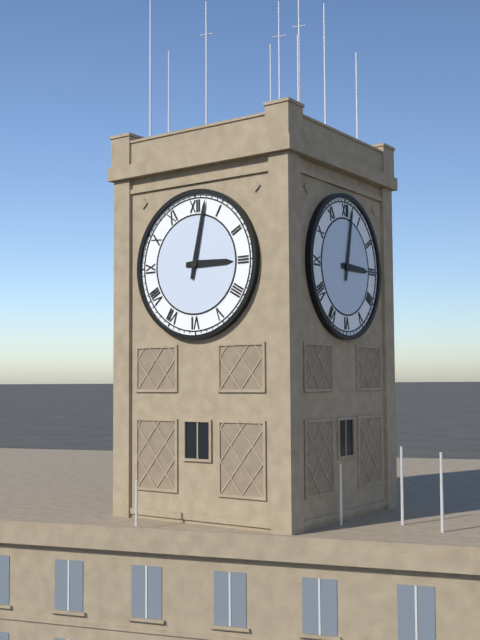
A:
3,02
